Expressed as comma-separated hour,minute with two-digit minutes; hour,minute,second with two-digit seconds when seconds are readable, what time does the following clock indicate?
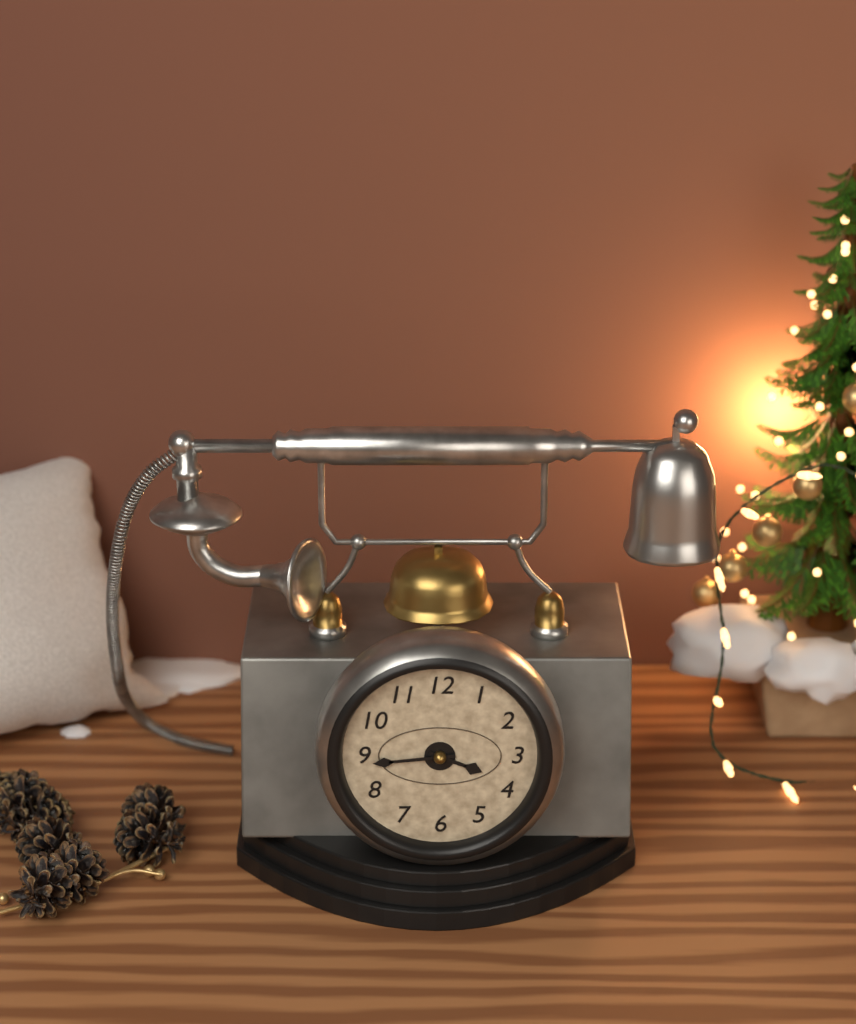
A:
3,44
